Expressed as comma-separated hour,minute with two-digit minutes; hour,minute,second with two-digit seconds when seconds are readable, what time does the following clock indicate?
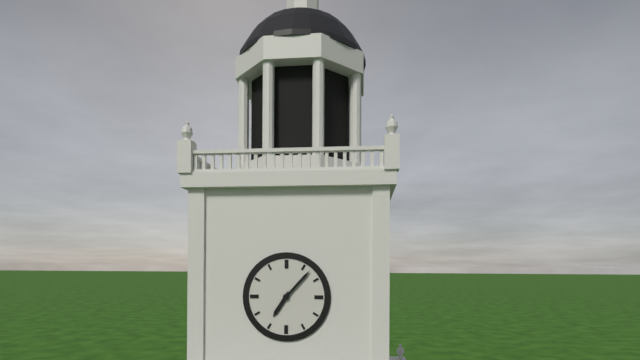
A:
7,07
